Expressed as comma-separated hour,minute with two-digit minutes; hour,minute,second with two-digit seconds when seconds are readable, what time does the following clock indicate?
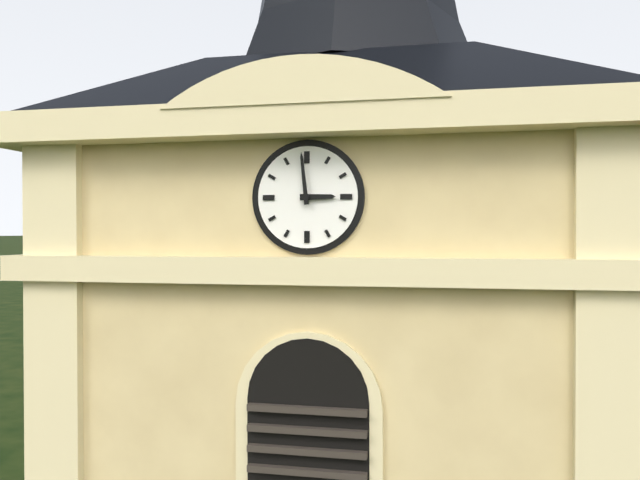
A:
2,59
